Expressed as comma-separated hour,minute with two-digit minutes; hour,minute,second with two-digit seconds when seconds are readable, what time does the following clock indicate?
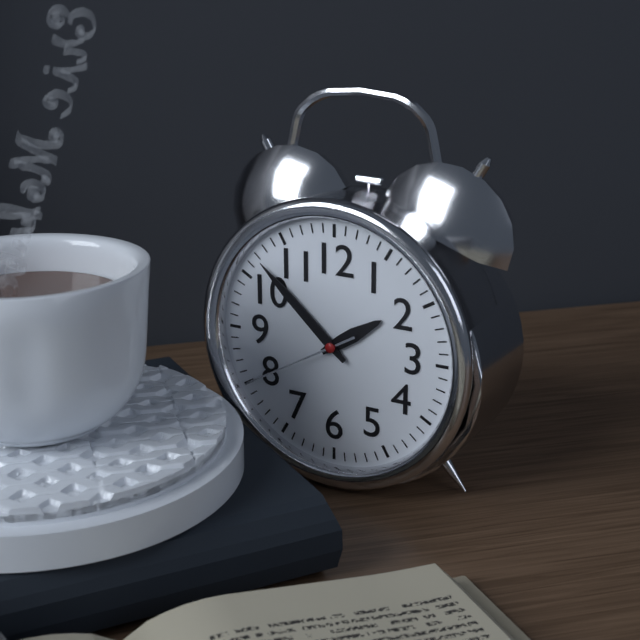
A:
1,52,40
